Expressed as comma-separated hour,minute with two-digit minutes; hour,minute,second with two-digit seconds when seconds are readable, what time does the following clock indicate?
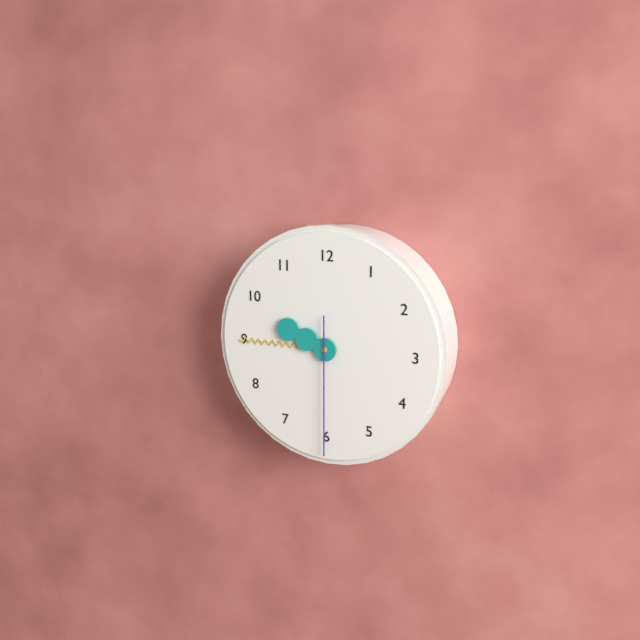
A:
9,45,30
